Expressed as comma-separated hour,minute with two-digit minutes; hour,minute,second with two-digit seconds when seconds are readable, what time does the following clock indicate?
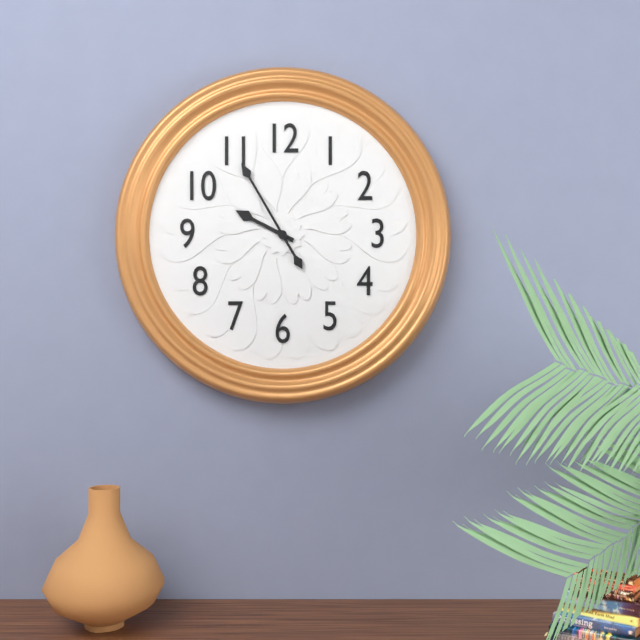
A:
9,55
